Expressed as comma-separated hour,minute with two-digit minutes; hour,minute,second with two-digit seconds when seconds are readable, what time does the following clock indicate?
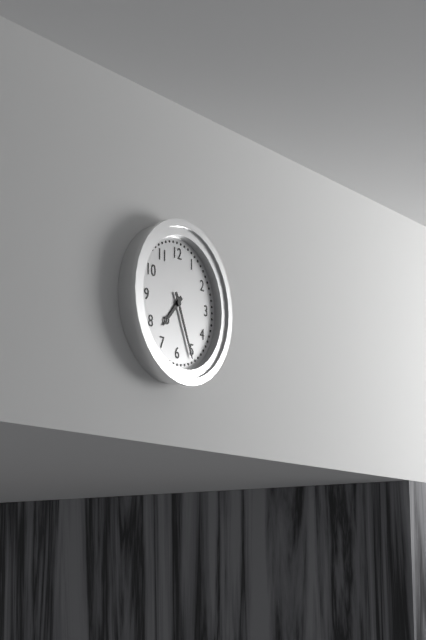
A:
7,26
